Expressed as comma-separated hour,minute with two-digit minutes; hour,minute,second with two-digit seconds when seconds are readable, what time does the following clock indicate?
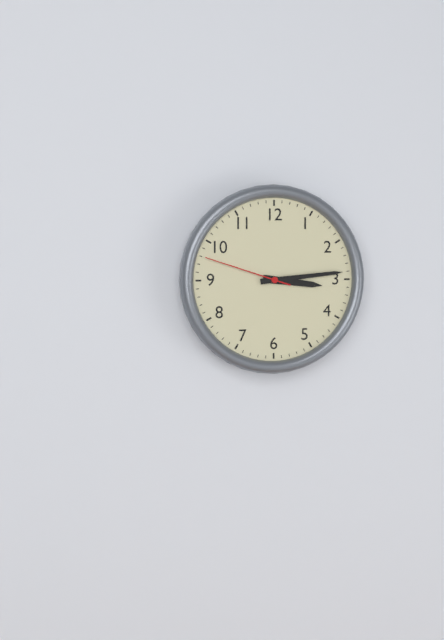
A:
3,14,48
